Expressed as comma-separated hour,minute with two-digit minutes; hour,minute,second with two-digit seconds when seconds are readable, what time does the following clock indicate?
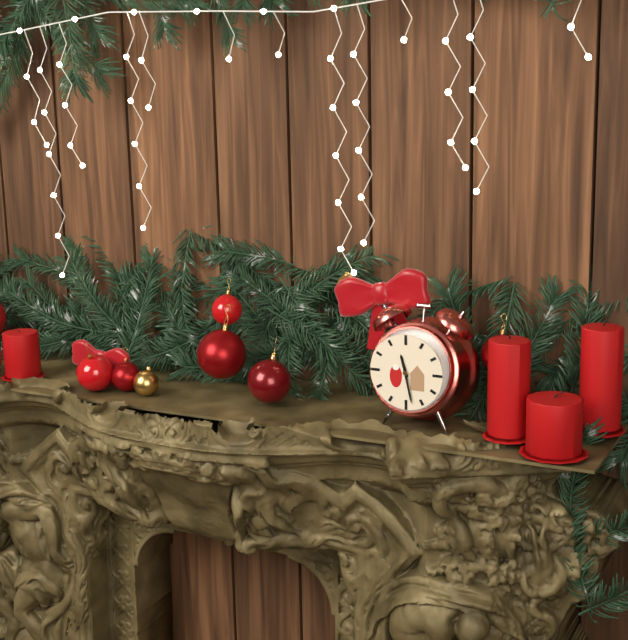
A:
11,28
